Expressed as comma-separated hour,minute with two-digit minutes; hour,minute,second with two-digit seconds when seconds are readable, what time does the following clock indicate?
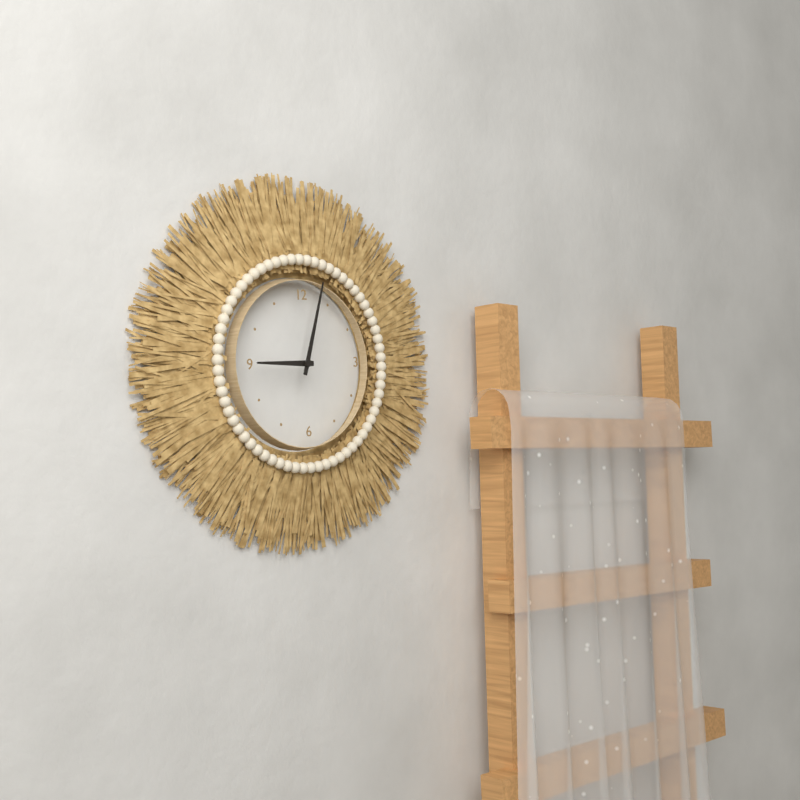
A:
9,03
